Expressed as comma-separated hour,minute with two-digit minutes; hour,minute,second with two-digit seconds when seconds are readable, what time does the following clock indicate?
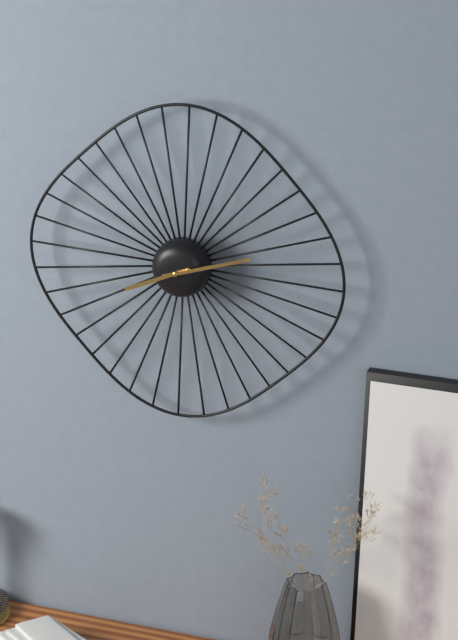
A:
8,12
